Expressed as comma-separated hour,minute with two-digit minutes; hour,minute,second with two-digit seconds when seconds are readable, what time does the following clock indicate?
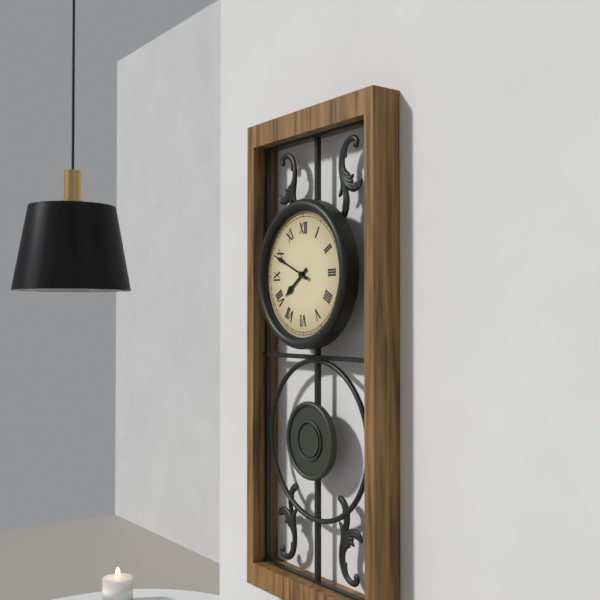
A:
7,49
